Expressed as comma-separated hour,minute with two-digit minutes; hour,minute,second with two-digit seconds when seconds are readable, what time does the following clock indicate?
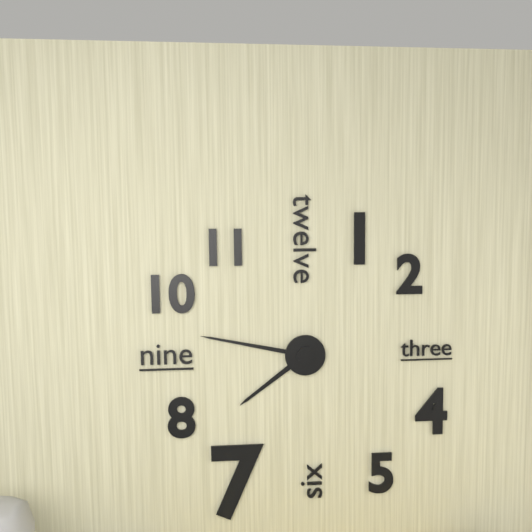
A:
7,47
